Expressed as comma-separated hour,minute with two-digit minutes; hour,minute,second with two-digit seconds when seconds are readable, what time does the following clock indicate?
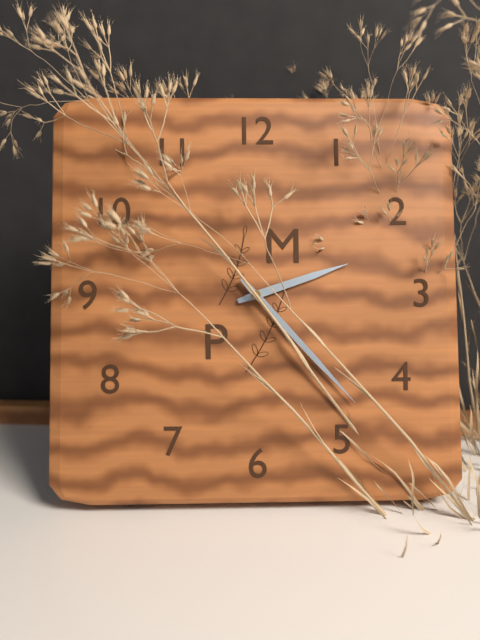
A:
2,23
